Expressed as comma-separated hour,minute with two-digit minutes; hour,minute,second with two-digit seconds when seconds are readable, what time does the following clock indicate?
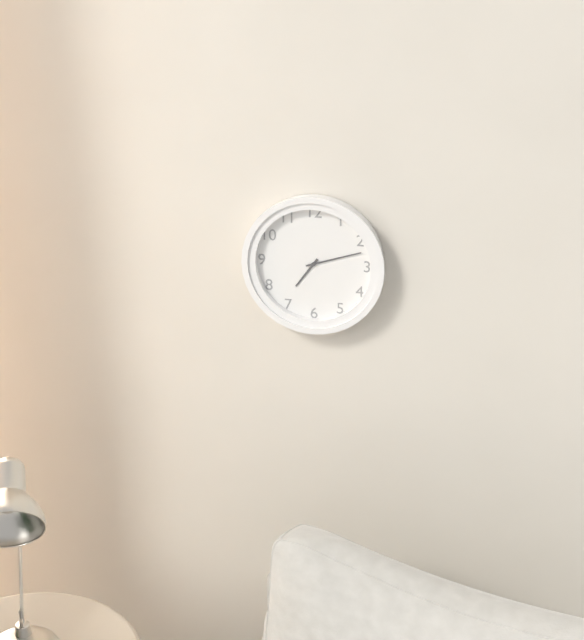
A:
7,12
